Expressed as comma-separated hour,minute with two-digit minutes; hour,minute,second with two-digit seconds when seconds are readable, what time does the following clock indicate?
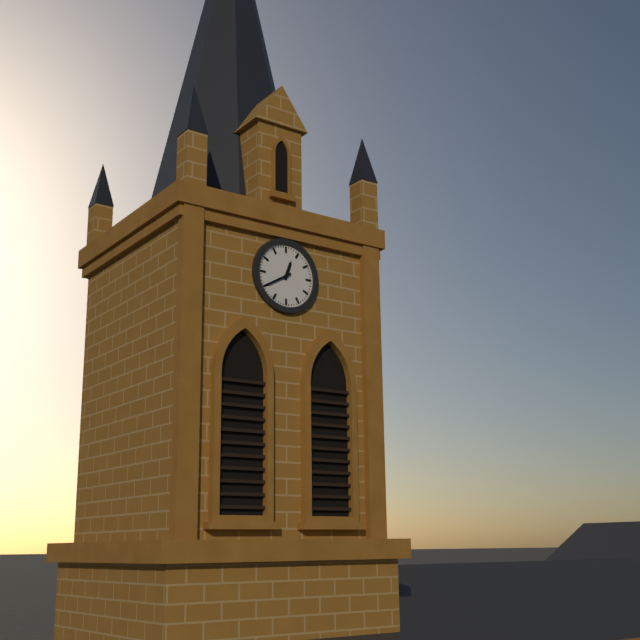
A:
12,40
